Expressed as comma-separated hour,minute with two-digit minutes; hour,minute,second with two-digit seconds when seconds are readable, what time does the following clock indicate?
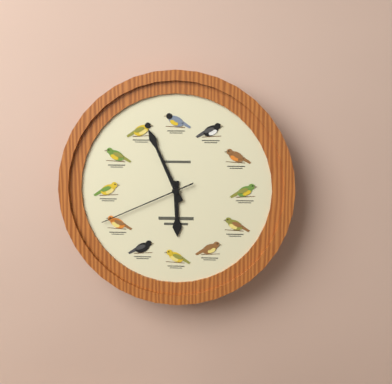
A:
5,56,41
